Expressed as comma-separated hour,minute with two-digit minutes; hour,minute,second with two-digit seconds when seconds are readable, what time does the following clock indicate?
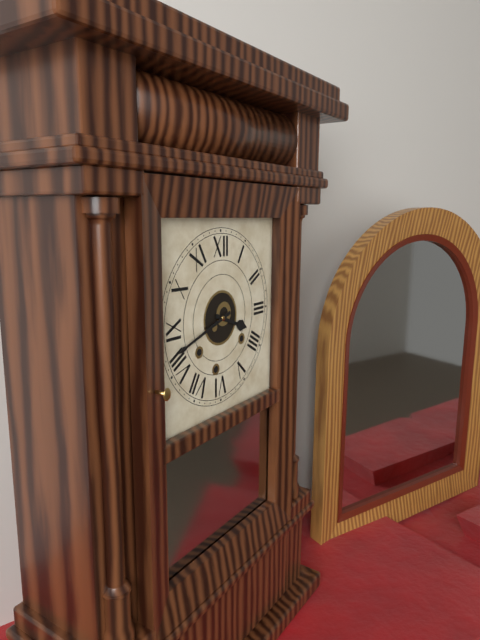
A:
3,42
